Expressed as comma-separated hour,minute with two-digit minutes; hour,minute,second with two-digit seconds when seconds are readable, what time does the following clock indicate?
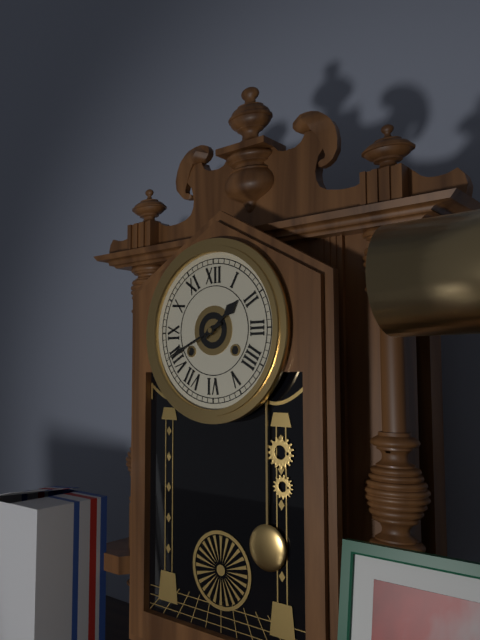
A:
1,41
